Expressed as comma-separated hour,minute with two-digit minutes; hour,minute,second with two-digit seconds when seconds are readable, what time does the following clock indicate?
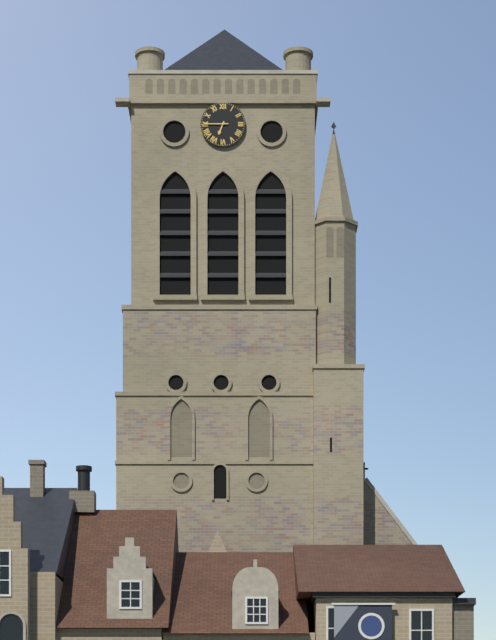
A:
6,45
